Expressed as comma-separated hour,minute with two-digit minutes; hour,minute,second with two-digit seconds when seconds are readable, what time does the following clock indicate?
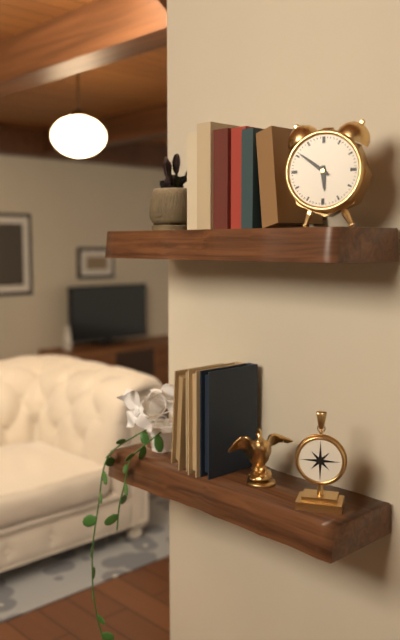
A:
5,51
